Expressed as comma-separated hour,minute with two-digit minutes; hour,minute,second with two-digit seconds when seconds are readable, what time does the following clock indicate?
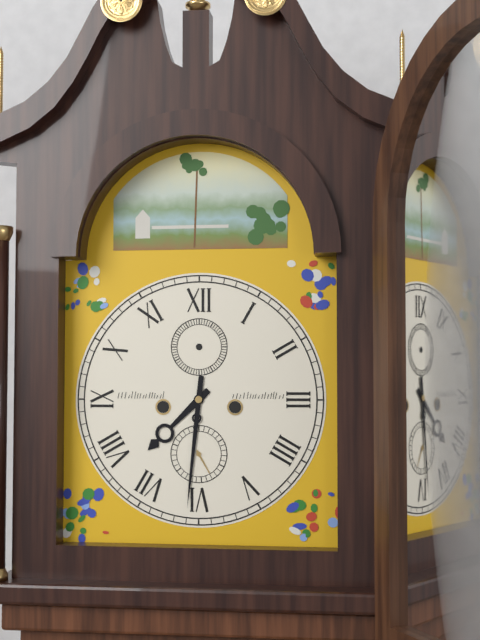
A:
7,31
